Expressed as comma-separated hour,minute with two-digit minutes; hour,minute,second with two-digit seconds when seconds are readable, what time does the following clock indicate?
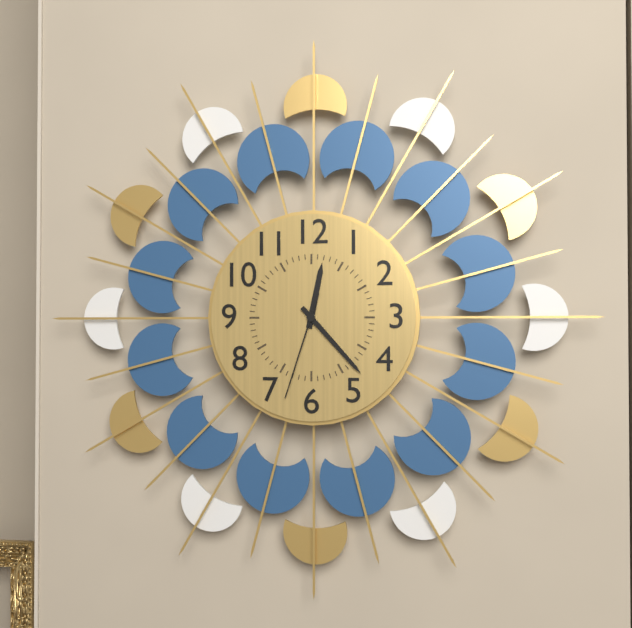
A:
12,23,33
